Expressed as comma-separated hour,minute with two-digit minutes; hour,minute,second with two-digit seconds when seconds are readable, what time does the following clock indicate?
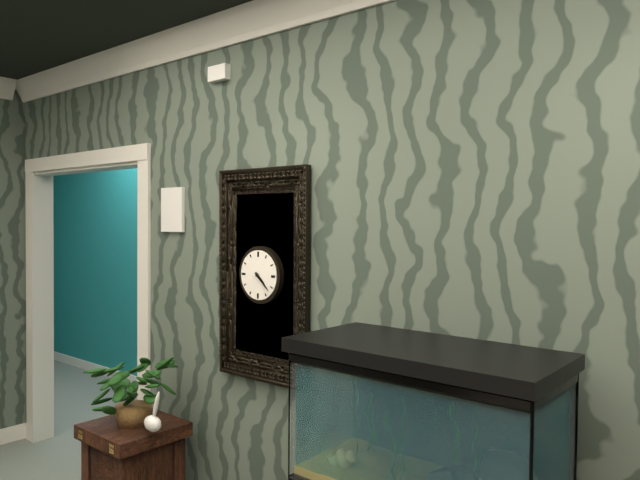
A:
4,22
